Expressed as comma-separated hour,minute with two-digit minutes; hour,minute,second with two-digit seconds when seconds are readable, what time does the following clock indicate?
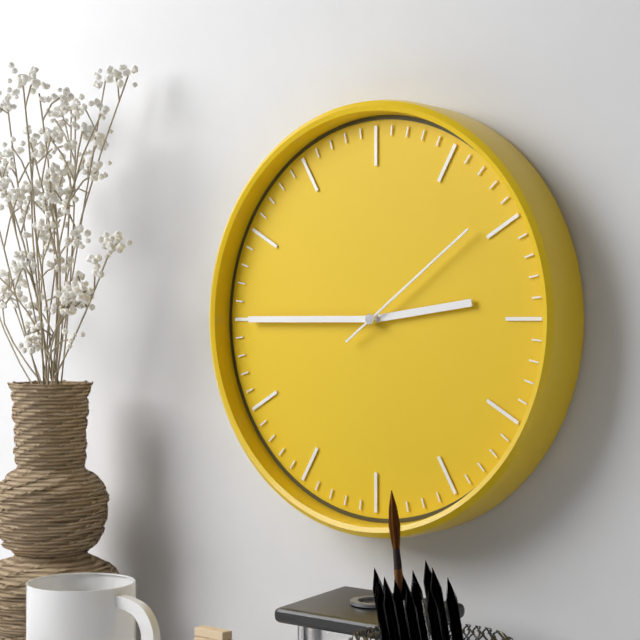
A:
2,45,09
